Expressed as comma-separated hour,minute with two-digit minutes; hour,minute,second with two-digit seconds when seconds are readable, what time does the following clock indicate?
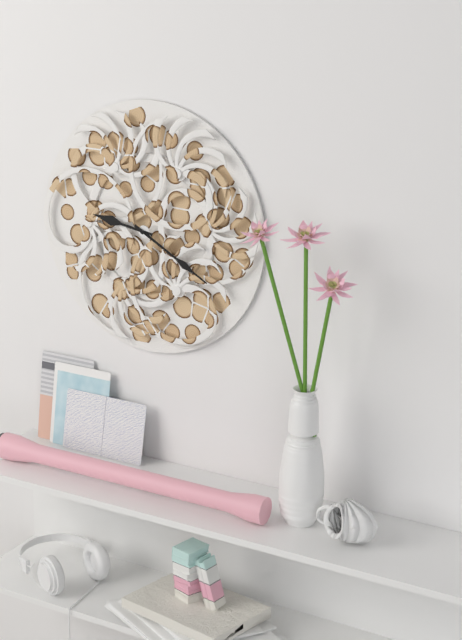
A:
9,20
